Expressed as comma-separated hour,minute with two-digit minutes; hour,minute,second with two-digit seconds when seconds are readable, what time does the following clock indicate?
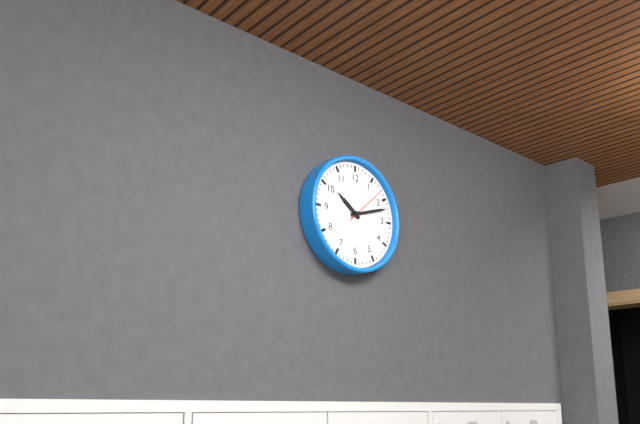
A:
10,12,08
